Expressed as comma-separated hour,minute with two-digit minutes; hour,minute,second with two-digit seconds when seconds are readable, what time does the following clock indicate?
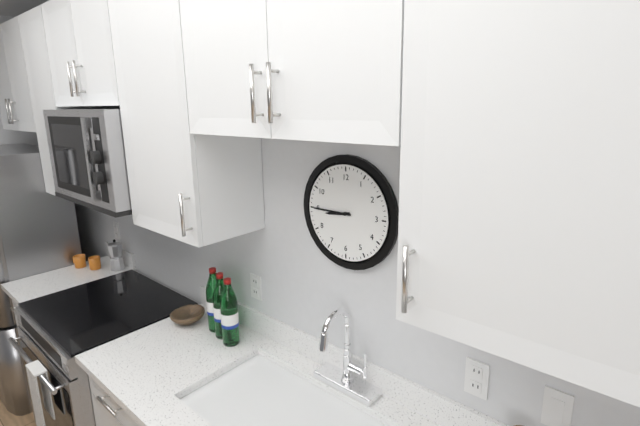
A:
8,45
